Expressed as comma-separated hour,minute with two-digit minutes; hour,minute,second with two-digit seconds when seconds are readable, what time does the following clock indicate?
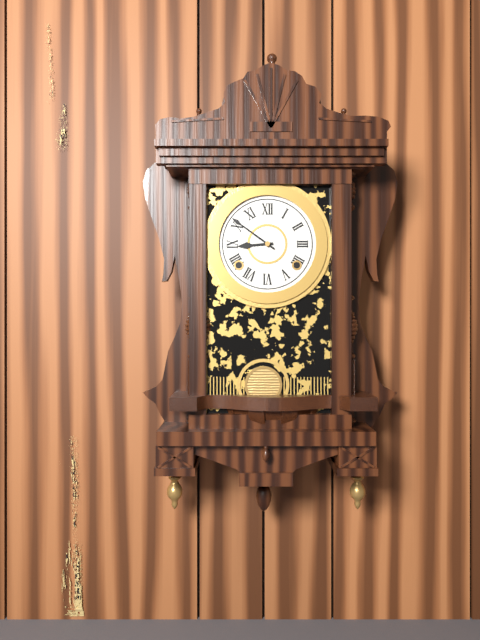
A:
8,51
